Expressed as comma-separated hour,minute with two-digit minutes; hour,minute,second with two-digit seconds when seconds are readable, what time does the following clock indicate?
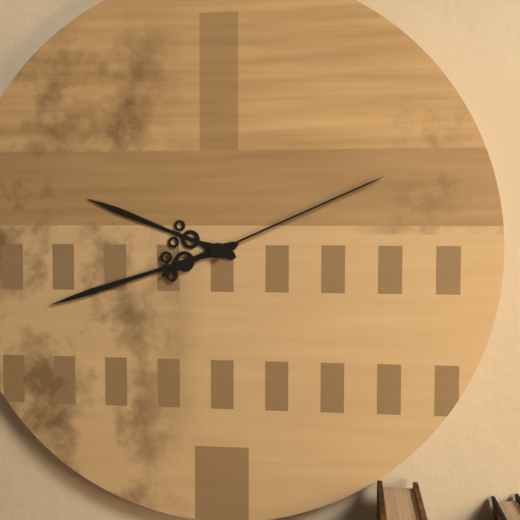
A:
9,42,11
